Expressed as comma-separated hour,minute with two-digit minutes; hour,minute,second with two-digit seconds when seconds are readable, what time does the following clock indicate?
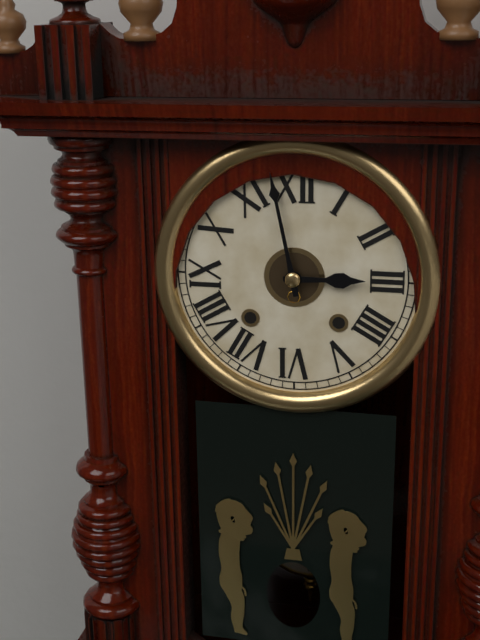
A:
2,58
